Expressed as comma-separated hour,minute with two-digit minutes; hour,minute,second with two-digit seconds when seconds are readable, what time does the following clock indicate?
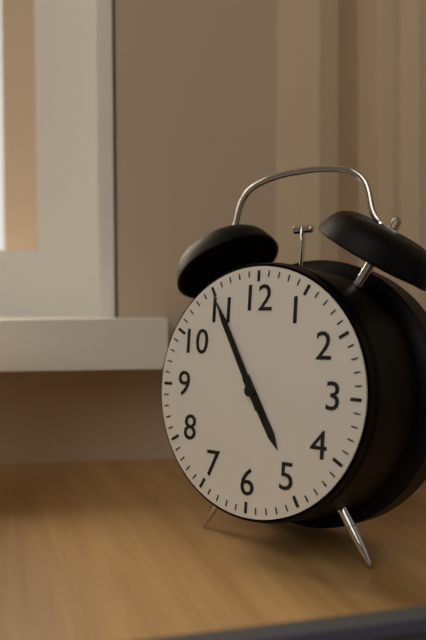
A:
4,55,55
